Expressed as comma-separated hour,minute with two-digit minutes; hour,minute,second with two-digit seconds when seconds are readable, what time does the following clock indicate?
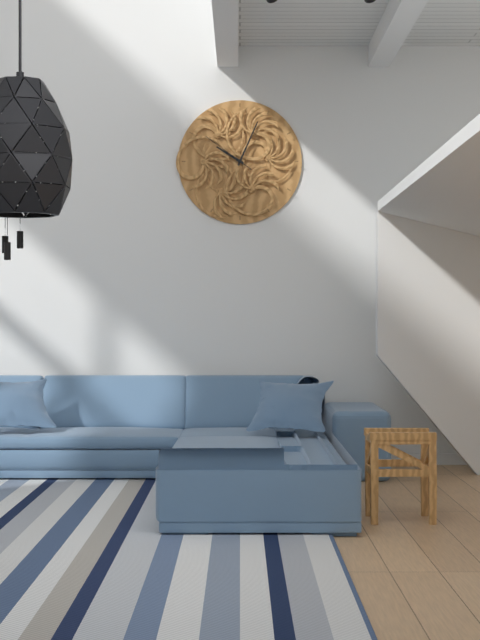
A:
10,04,51
